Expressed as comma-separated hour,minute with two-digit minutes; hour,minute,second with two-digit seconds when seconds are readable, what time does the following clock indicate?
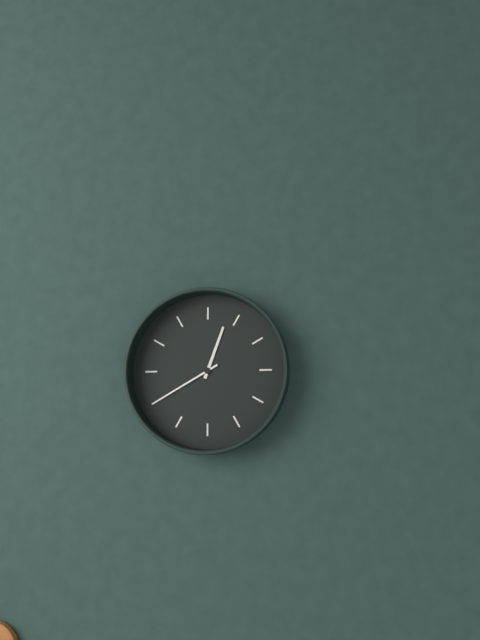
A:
12,40
